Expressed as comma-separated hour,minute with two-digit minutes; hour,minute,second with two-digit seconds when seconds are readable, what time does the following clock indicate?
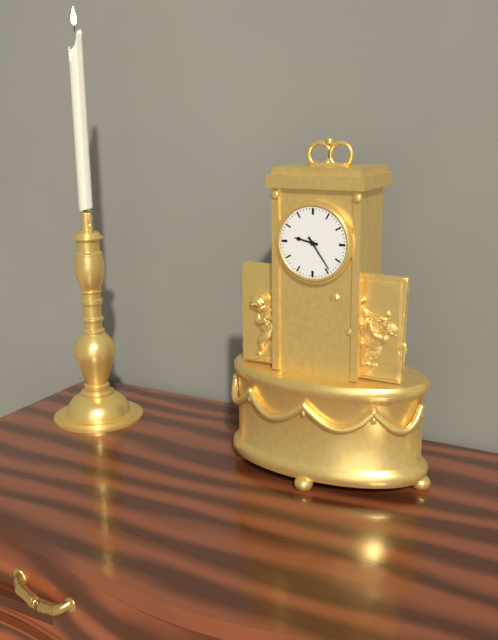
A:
9,24
